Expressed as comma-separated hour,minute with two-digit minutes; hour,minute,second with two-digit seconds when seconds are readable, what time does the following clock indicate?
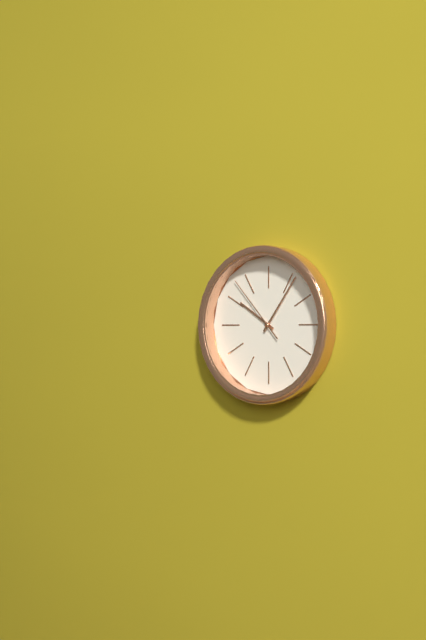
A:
10,06,53
